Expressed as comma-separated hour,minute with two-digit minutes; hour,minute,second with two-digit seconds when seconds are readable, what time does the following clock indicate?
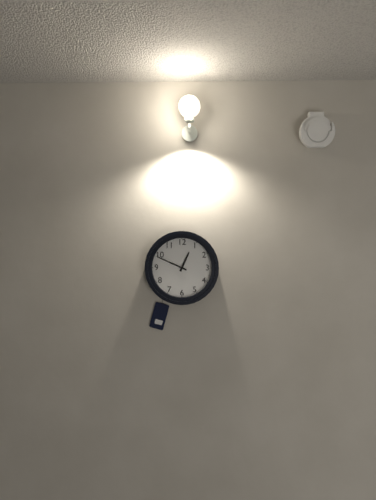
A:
12,49
